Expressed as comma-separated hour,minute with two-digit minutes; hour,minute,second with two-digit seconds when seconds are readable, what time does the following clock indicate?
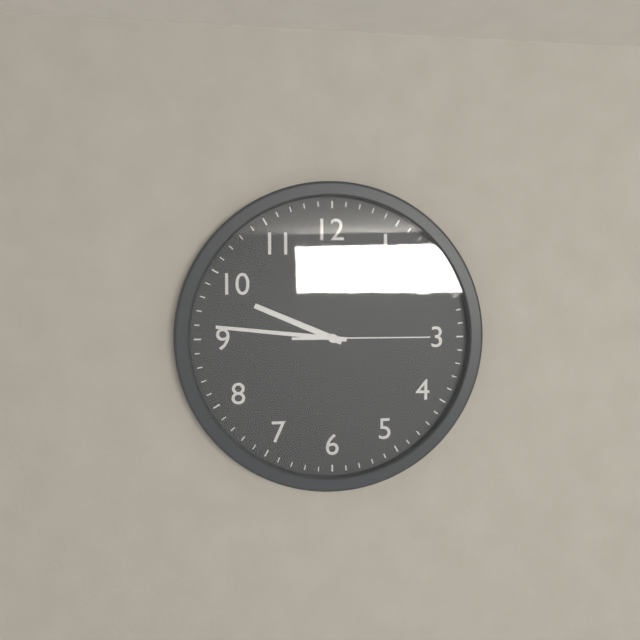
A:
9,46,15
